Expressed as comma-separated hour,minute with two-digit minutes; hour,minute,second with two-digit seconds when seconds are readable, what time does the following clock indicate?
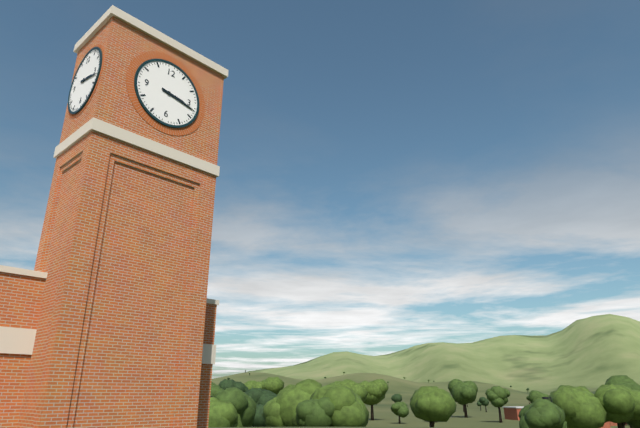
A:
3,17
